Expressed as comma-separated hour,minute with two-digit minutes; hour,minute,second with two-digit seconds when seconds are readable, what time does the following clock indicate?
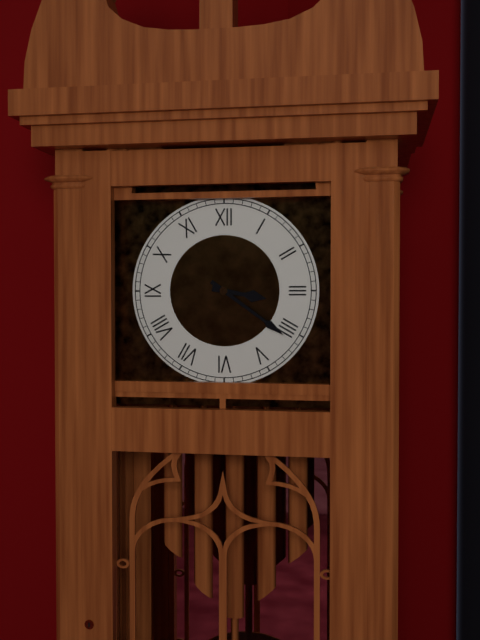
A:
3,21
